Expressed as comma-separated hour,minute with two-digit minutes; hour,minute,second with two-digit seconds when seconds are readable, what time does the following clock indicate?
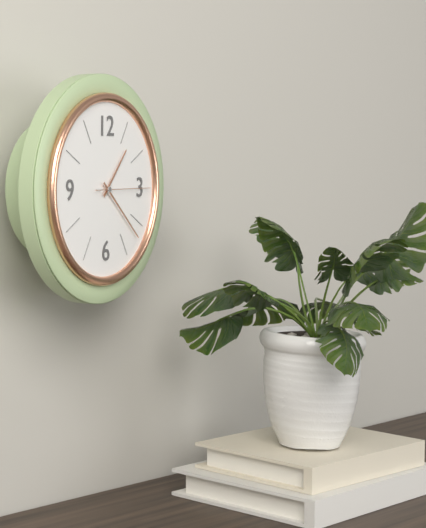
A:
1,22,15
